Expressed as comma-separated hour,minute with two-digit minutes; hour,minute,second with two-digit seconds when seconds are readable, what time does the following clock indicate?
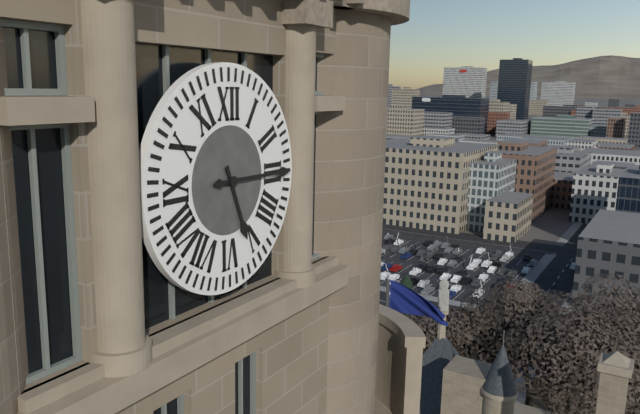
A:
5,15
